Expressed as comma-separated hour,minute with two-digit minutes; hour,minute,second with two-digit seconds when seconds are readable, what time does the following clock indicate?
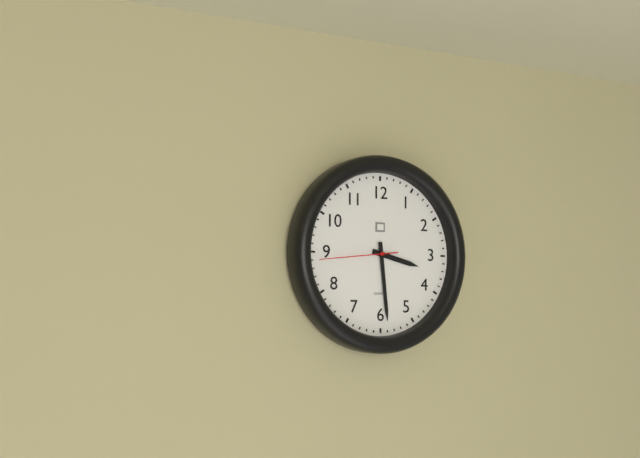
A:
3,29,44
